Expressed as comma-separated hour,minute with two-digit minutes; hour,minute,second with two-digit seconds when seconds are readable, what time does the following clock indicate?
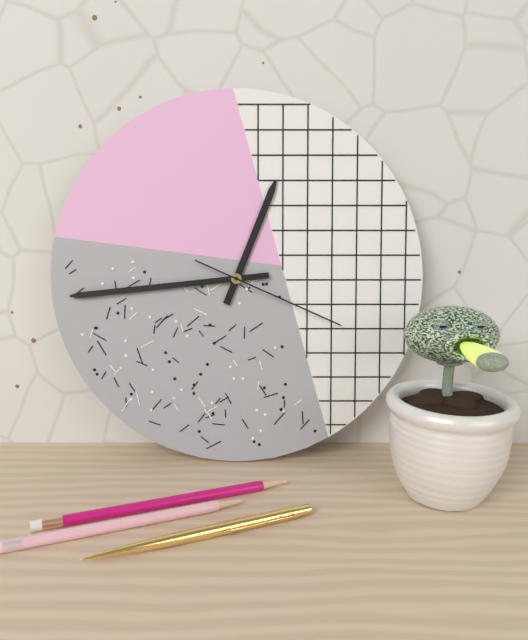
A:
12,44,19
